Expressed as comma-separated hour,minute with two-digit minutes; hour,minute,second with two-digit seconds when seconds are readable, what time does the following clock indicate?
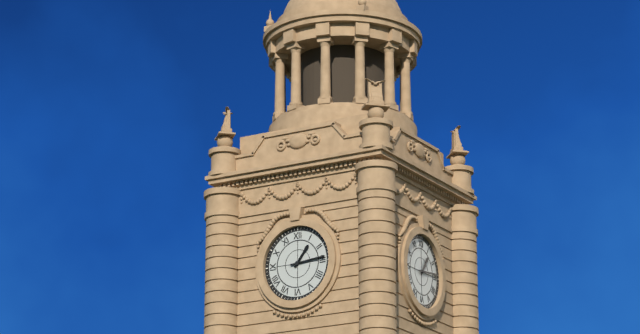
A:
1,14
